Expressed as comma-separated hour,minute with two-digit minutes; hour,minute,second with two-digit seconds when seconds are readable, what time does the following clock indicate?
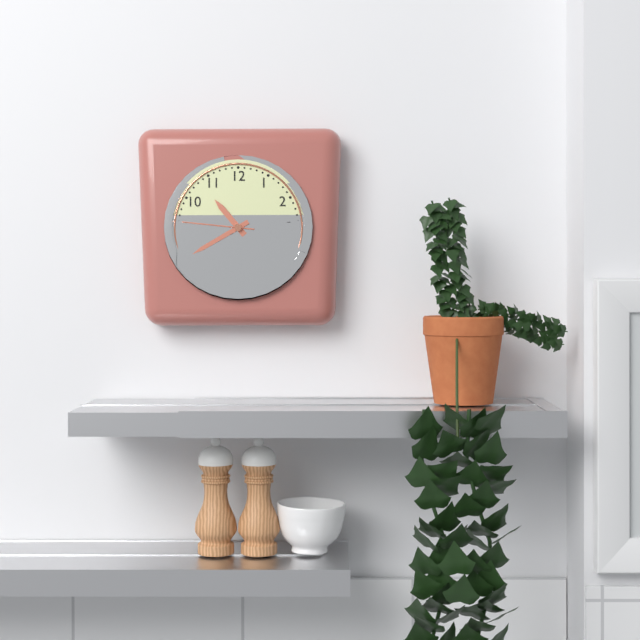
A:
10,40,46
